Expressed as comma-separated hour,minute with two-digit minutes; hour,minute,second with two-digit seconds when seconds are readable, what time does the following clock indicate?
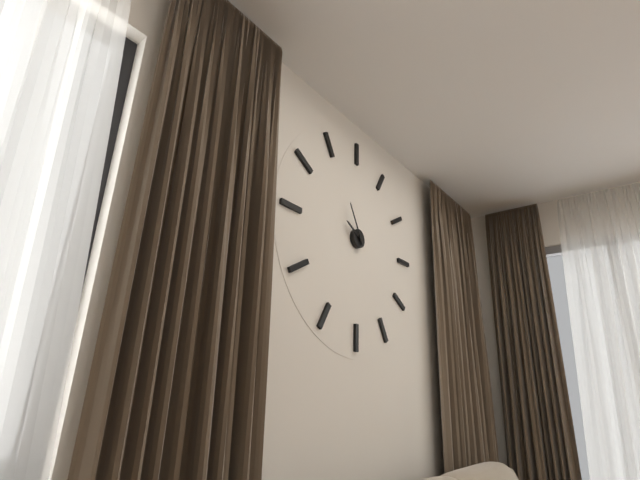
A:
9,55
